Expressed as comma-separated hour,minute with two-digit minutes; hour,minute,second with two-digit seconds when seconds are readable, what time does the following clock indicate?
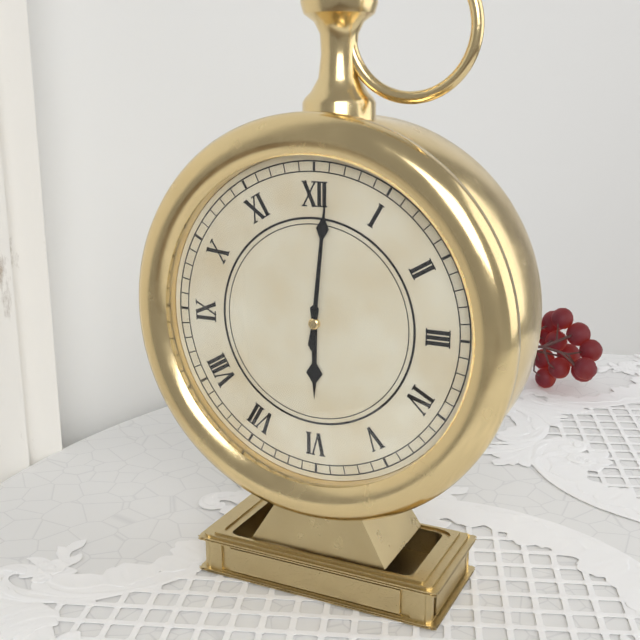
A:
6,01
